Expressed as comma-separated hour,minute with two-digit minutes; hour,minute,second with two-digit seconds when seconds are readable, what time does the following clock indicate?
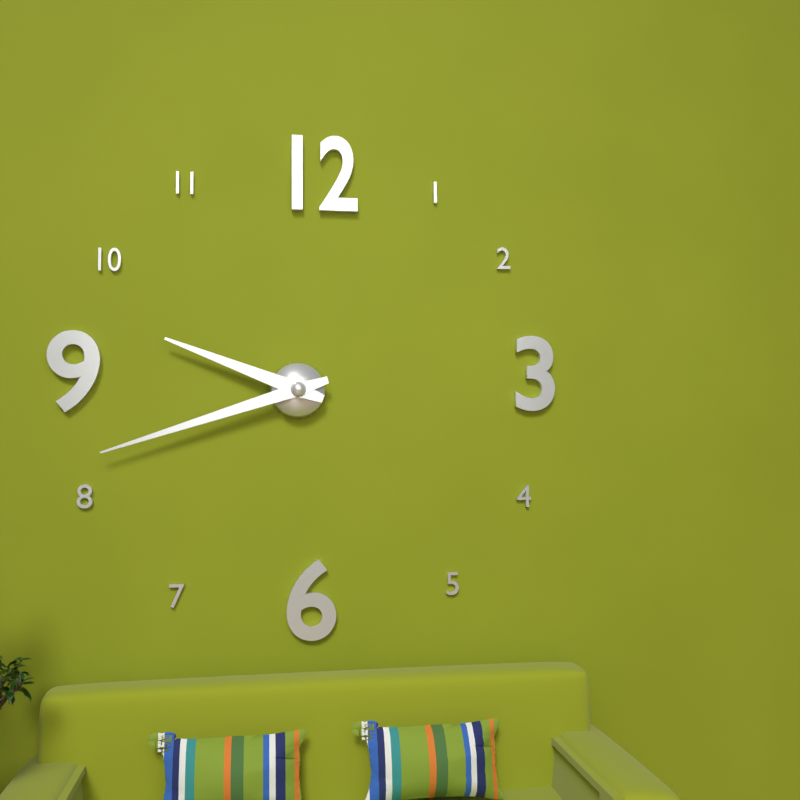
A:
9,42
